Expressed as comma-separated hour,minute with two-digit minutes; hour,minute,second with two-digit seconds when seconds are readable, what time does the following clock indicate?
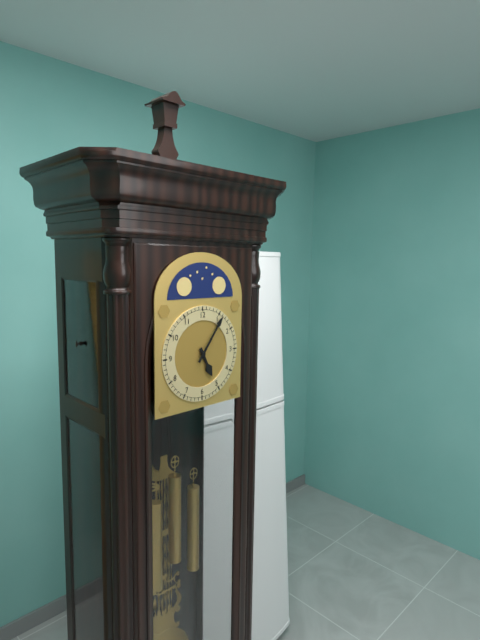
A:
5,06
